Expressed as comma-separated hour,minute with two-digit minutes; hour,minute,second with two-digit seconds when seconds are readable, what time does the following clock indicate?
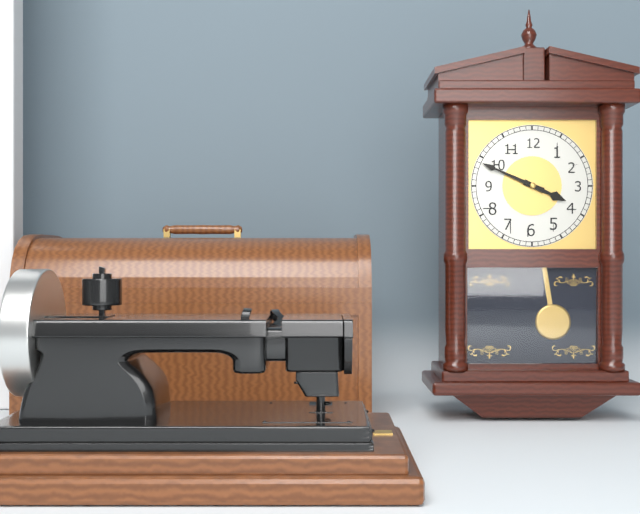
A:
3,49
